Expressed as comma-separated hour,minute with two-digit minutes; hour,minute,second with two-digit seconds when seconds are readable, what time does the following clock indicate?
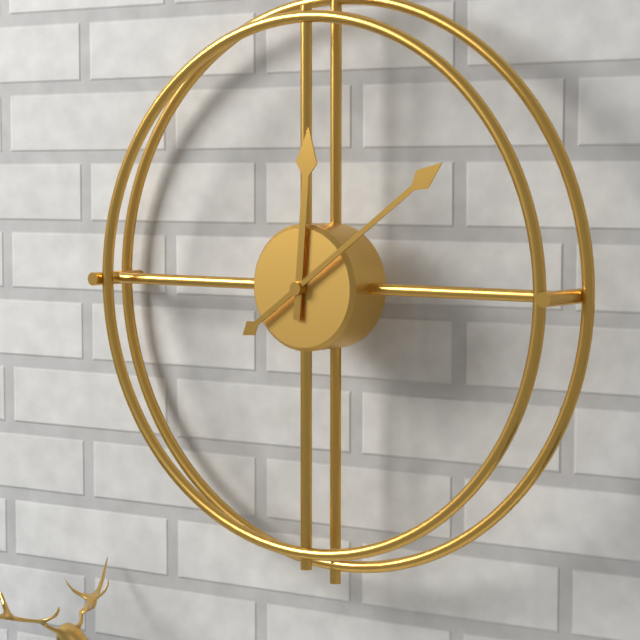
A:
12,09
